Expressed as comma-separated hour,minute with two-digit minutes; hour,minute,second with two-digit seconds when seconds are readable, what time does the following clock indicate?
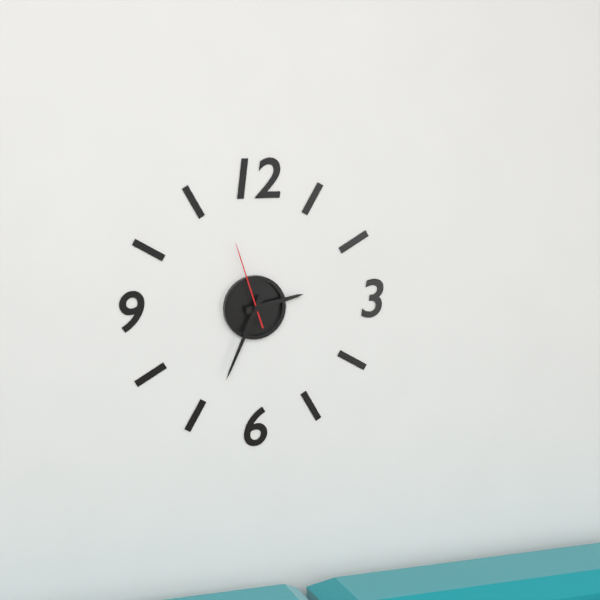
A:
2,34,57
